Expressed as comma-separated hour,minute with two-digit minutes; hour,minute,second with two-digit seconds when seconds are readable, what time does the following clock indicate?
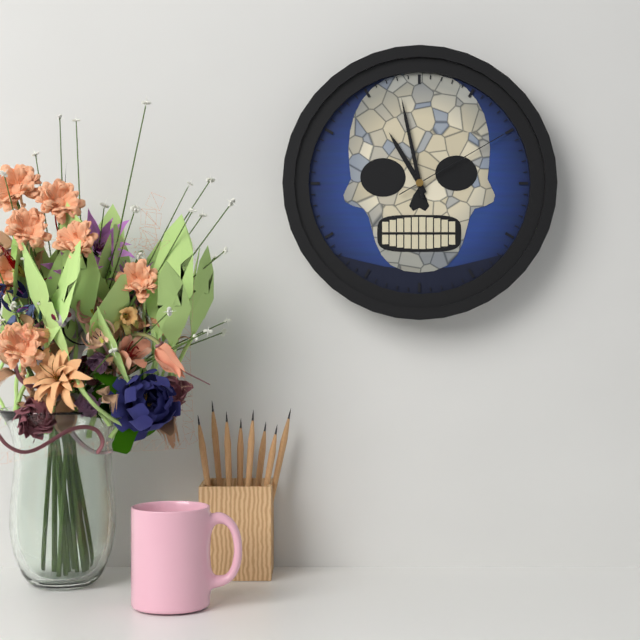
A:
10,58,10
